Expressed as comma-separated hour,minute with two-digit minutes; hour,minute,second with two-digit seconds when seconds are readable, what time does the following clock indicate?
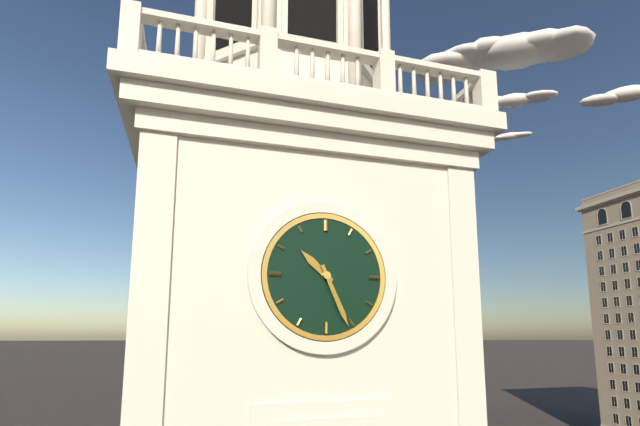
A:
10,26
